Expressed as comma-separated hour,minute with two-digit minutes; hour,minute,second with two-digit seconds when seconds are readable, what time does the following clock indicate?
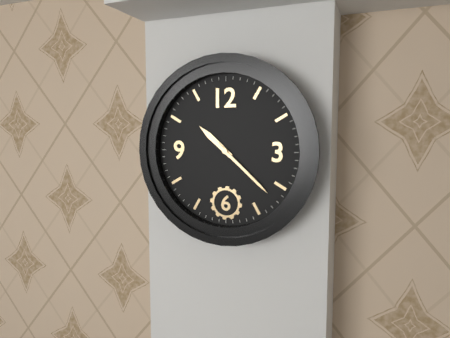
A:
10,22
